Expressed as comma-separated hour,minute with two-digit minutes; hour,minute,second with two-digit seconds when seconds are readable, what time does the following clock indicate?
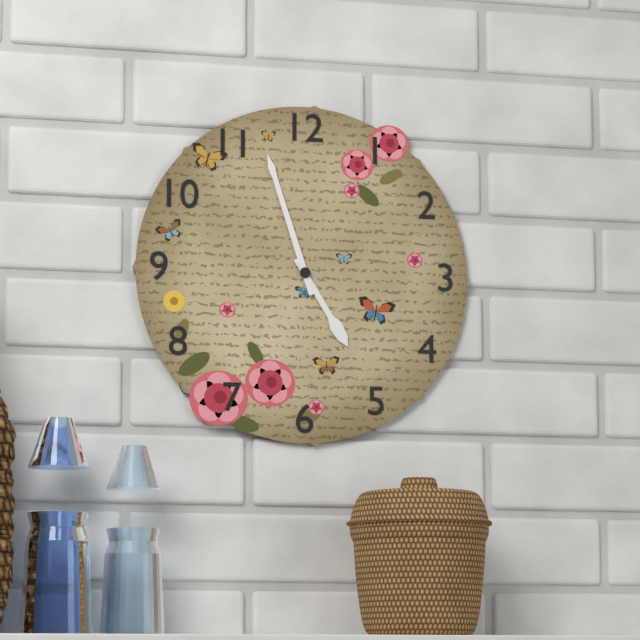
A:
4,57
